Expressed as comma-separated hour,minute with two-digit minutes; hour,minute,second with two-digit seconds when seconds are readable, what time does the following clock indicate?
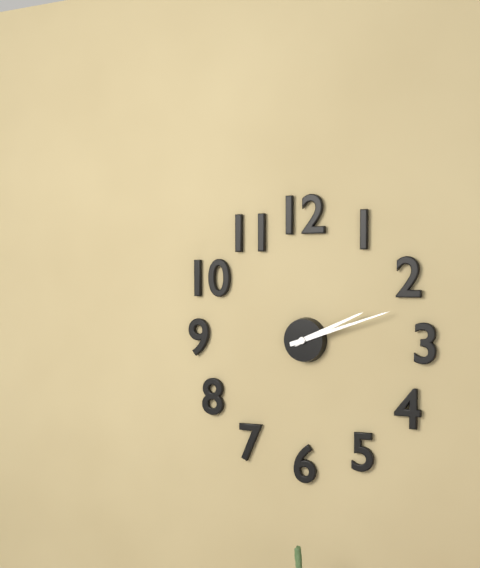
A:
2,12
